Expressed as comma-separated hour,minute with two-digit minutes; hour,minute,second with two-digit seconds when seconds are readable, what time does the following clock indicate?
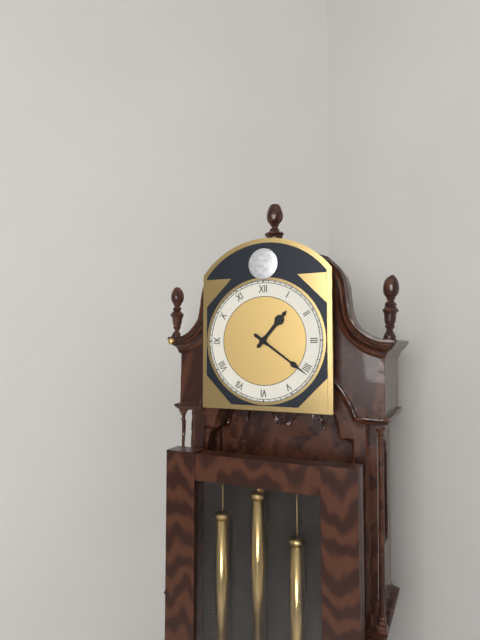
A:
1,21
